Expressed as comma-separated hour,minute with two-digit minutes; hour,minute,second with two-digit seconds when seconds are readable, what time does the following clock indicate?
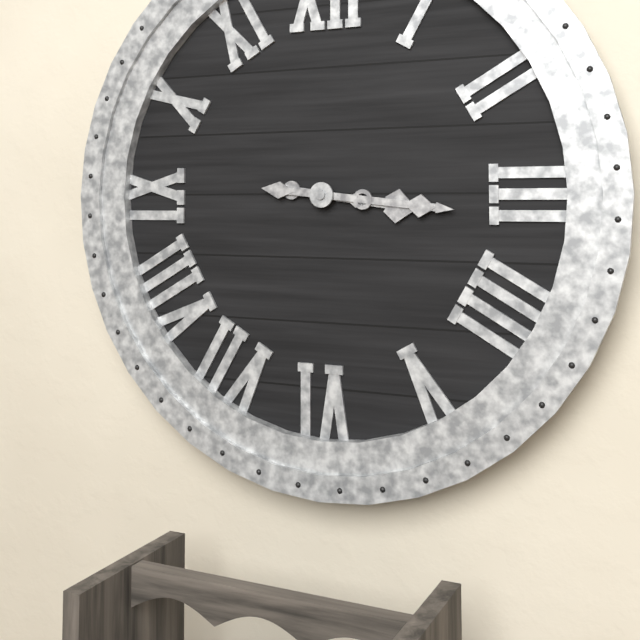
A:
3,16
